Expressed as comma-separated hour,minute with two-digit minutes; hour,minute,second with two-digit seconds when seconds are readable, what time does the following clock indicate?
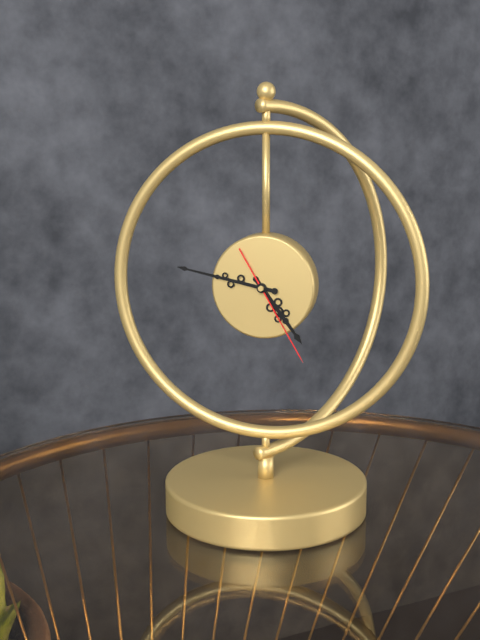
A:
4,47,25
